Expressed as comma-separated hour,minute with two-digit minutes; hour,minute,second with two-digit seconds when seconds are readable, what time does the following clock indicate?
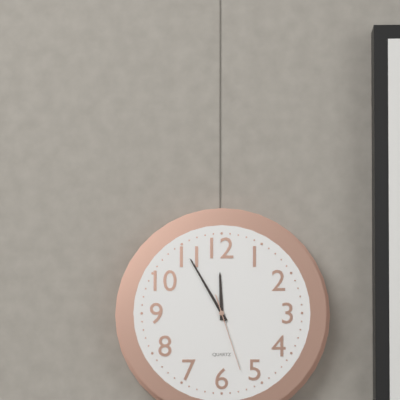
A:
11,55,27
